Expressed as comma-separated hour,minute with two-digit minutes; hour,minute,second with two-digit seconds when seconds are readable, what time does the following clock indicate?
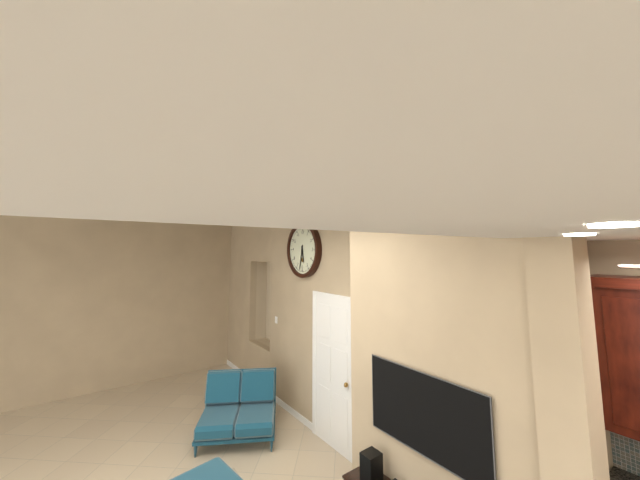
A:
5,32
